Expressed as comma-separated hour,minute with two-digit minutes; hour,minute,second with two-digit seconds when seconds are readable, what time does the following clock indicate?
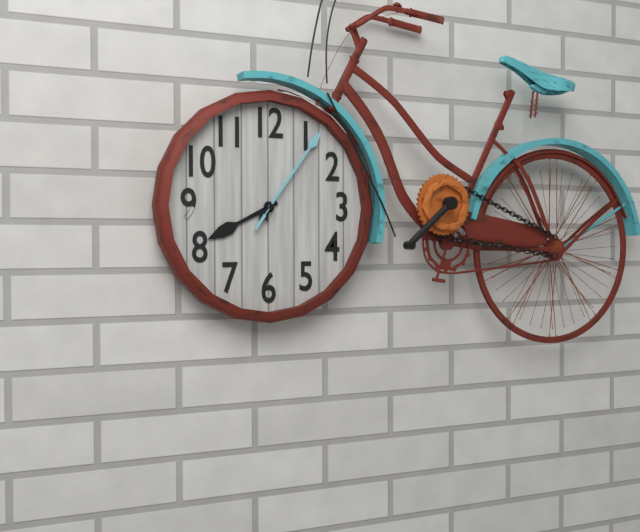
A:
8,06,06
